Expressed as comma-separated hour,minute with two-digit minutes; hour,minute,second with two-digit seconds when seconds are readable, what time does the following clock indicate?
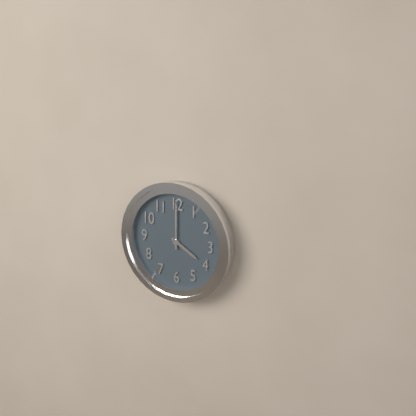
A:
4,00
